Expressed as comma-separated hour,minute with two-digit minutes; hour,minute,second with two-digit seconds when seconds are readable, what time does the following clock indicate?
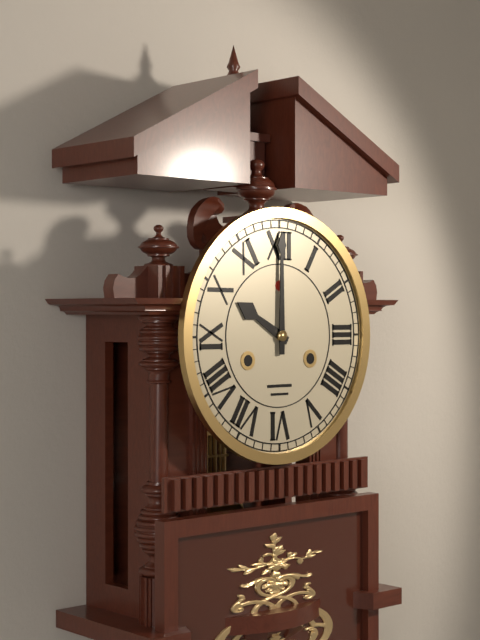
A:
10,00
